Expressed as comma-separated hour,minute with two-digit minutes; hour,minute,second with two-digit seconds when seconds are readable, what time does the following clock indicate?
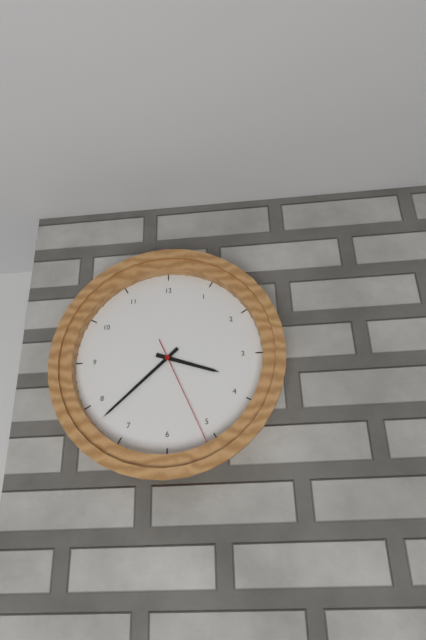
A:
3,38,26
